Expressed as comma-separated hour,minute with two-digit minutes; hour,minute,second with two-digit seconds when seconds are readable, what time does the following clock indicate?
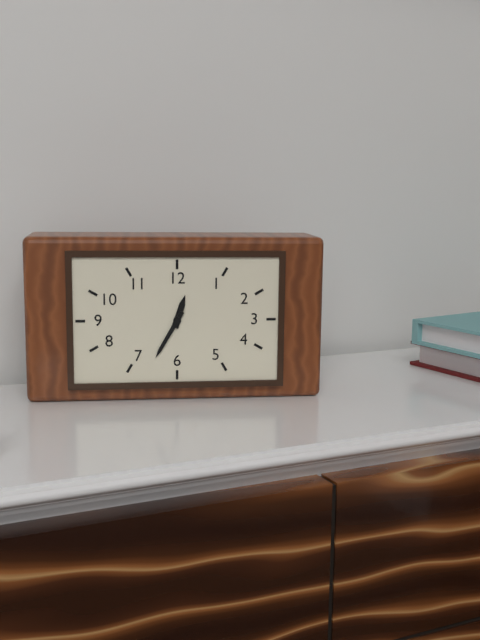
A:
12,35
